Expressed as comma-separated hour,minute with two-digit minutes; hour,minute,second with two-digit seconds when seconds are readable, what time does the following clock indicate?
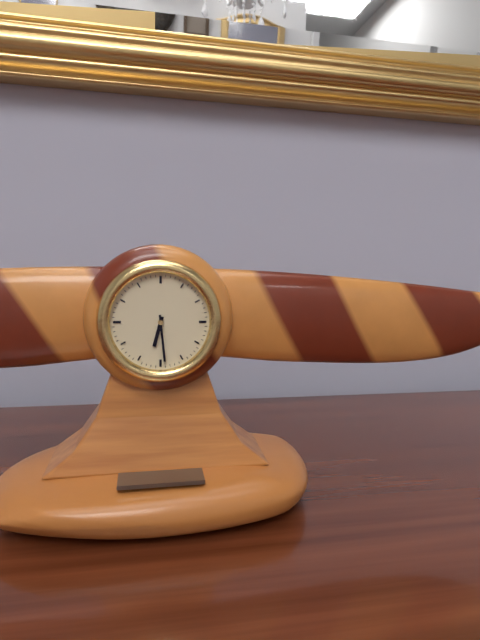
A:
6,29
